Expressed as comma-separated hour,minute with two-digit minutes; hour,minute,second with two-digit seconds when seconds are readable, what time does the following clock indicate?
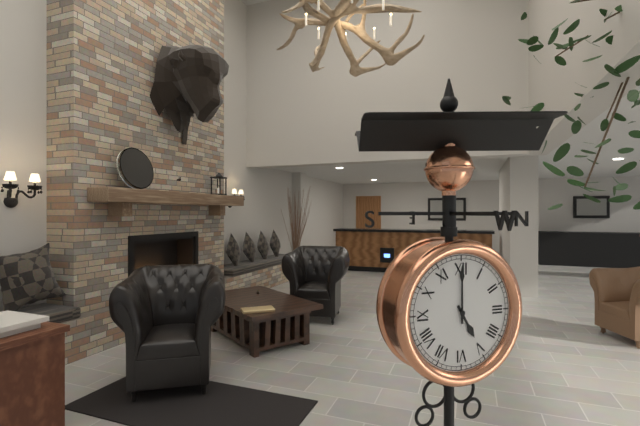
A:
5,00
